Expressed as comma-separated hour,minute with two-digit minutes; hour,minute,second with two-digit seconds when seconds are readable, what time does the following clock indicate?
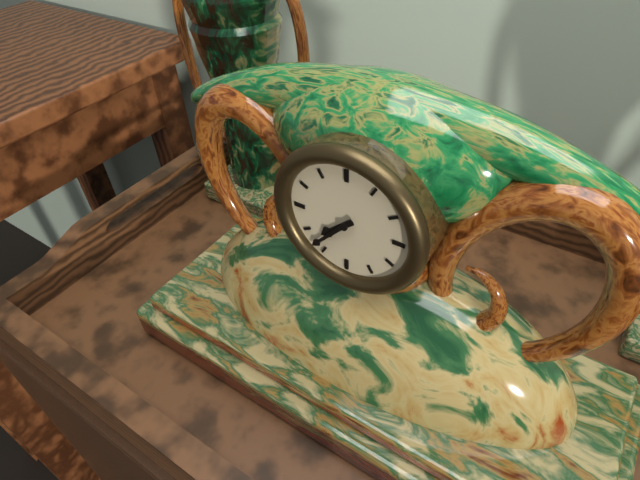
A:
7,37
